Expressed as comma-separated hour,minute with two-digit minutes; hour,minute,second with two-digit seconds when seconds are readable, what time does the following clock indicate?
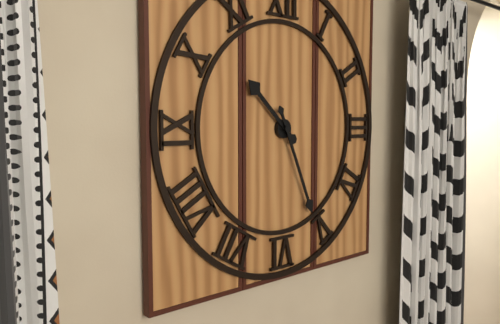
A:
10,26
